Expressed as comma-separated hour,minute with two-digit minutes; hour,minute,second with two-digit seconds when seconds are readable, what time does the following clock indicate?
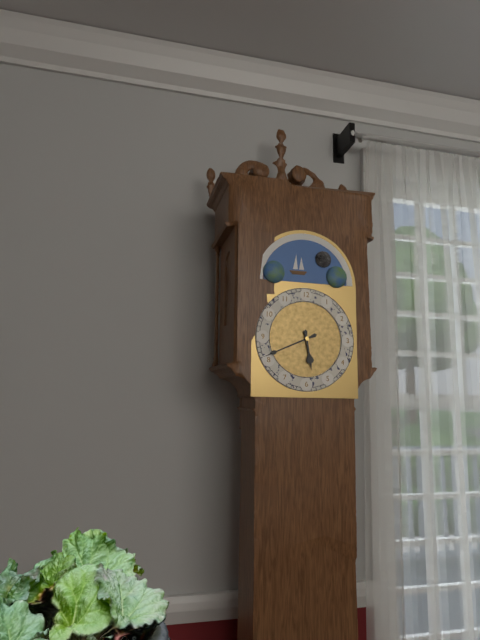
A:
5,41
